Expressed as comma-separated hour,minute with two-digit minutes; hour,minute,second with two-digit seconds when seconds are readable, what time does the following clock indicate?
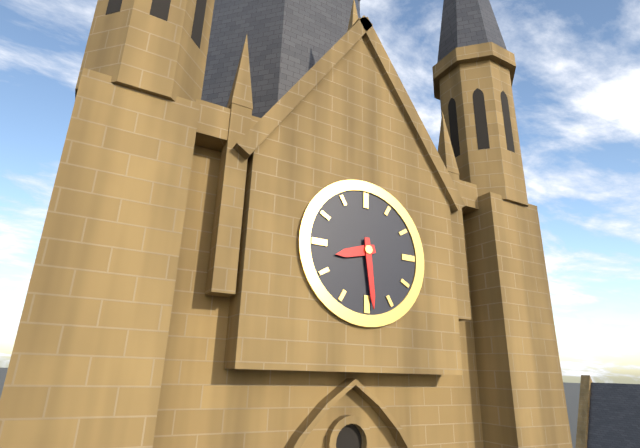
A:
8,29
